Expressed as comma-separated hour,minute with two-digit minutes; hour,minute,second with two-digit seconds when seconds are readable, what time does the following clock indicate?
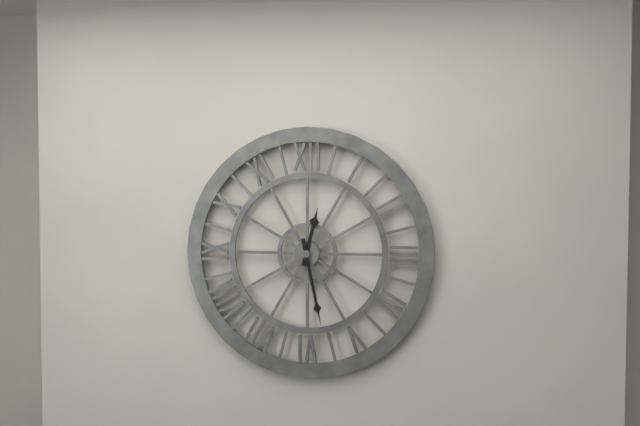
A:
12,28
